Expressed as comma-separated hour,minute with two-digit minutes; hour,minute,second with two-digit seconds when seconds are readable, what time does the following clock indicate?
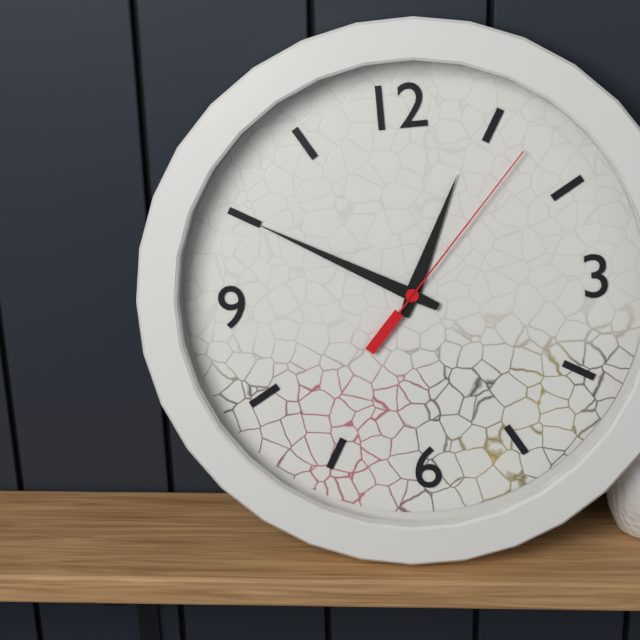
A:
12,50,07
